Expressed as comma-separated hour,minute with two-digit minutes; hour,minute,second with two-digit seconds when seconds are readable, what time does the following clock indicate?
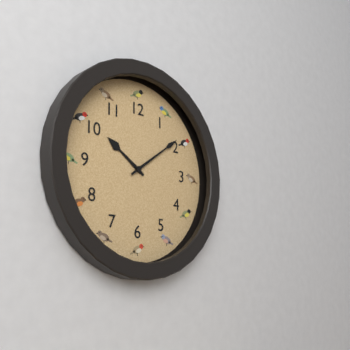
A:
10,09
